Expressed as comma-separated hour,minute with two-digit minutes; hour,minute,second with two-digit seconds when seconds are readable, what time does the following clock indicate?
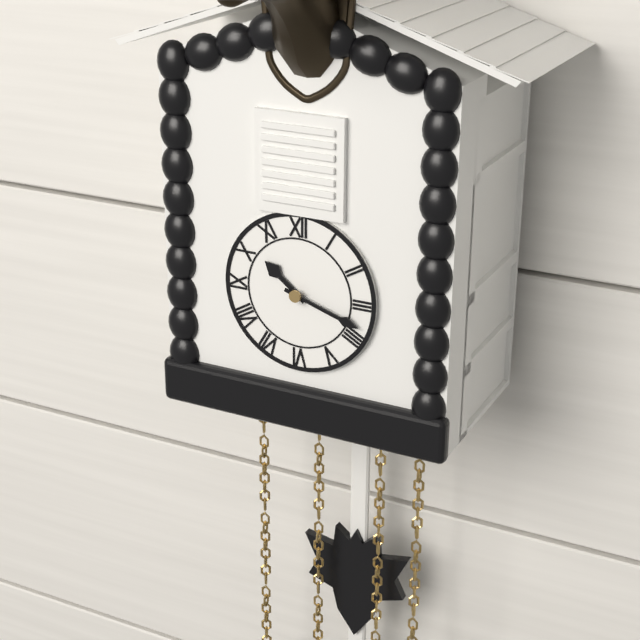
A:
10,18
